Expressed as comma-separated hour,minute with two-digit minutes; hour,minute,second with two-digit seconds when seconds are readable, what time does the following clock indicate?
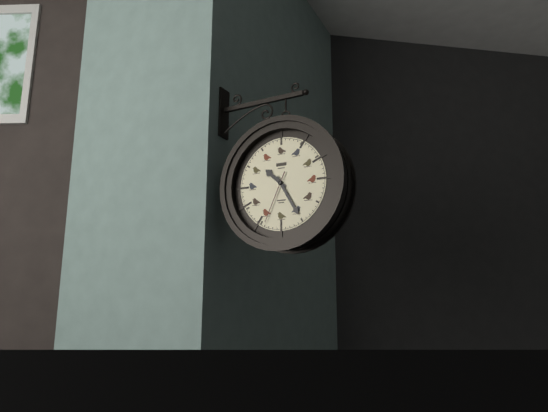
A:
10,25,34
